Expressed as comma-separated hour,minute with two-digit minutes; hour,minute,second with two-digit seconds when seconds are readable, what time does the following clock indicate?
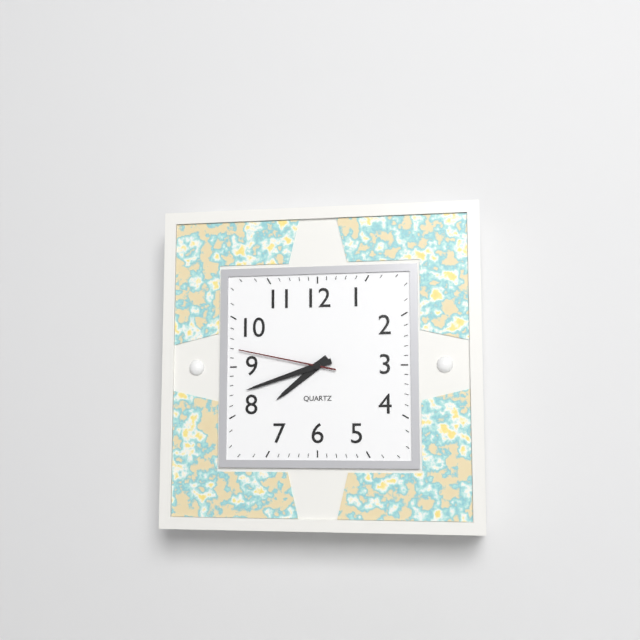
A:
7,42,47
